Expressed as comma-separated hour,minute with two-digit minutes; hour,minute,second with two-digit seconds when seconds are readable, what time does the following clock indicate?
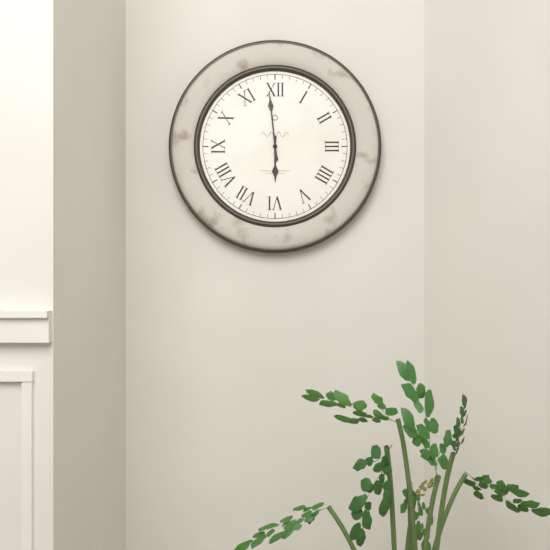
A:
5,59
